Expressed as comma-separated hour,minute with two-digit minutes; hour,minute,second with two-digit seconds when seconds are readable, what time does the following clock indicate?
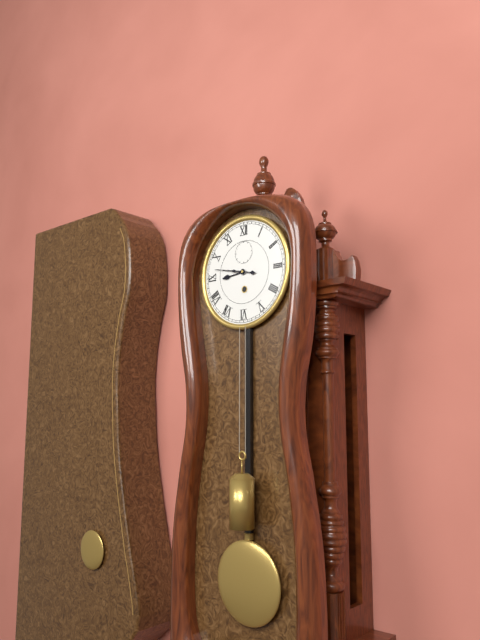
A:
8,47
